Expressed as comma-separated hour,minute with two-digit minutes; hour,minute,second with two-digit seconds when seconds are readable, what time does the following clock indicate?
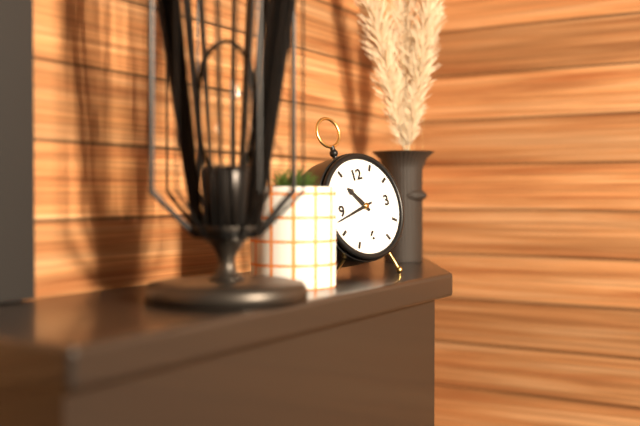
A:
10,43
